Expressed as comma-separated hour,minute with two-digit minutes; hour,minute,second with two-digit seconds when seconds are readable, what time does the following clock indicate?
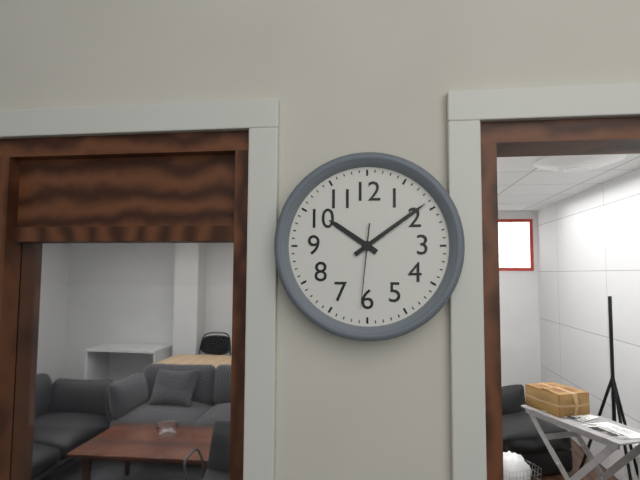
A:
10,09,31
